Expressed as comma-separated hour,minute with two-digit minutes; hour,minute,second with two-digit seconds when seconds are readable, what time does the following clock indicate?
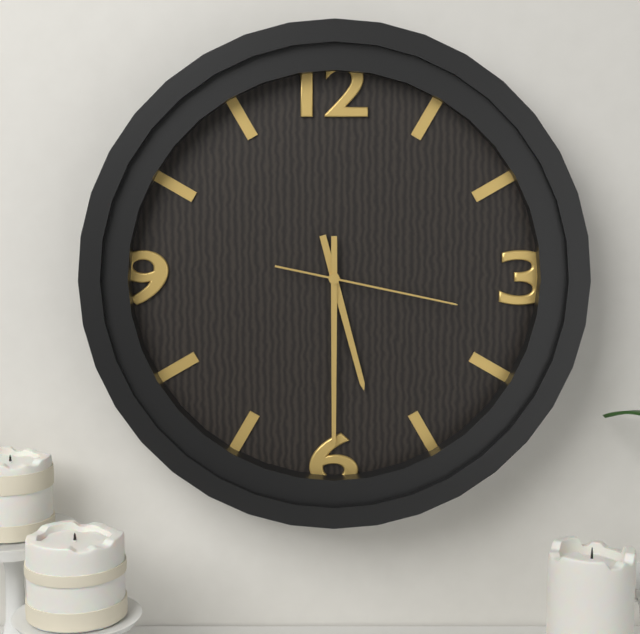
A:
5,30,17
